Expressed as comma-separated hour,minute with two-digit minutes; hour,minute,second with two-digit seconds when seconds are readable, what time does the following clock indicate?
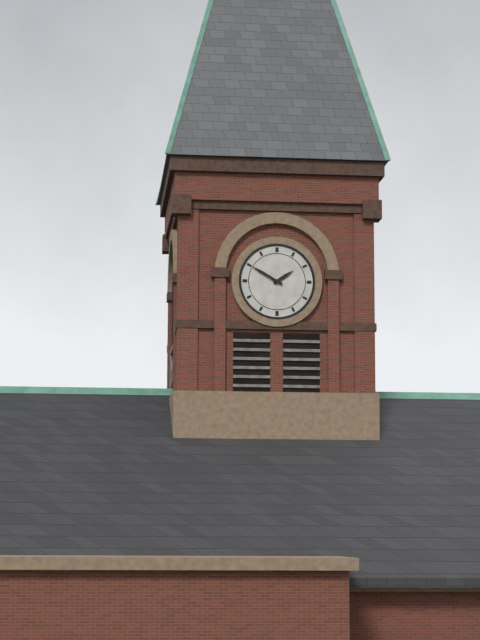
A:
1,50
